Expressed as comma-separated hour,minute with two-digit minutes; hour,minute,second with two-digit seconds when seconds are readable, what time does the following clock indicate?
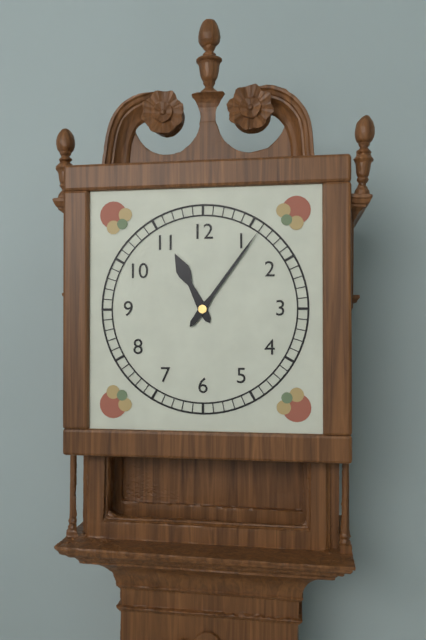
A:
11,06
